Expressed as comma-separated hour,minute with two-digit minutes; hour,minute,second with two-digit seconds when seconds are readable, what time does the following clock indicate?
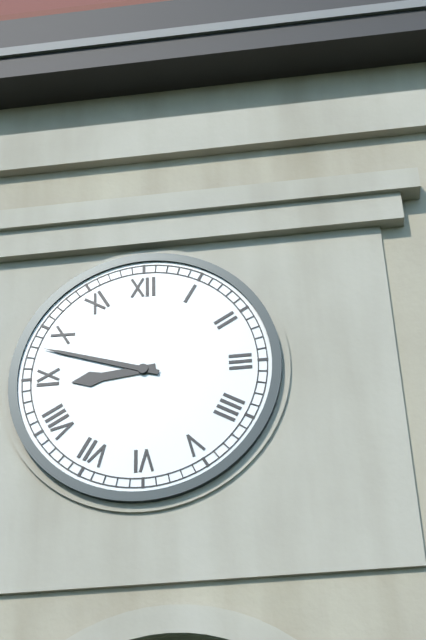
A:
8,48
